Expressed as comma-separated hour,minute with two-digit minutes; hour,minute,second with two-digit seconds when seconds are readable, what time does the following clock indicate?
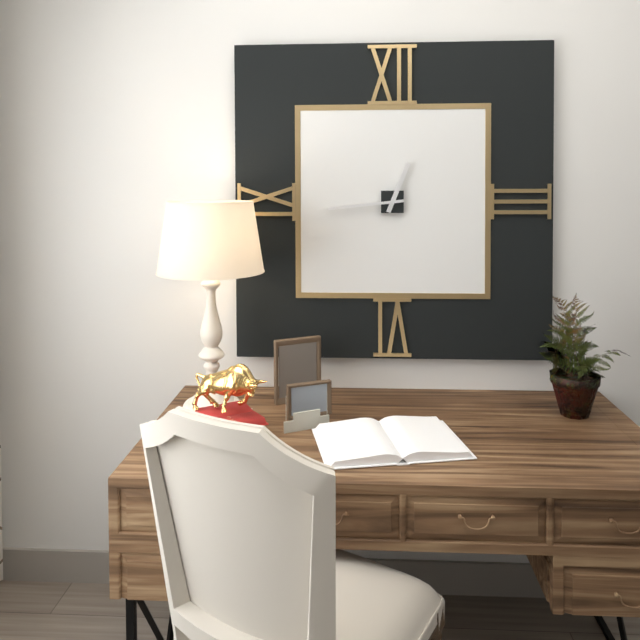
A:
12,44
